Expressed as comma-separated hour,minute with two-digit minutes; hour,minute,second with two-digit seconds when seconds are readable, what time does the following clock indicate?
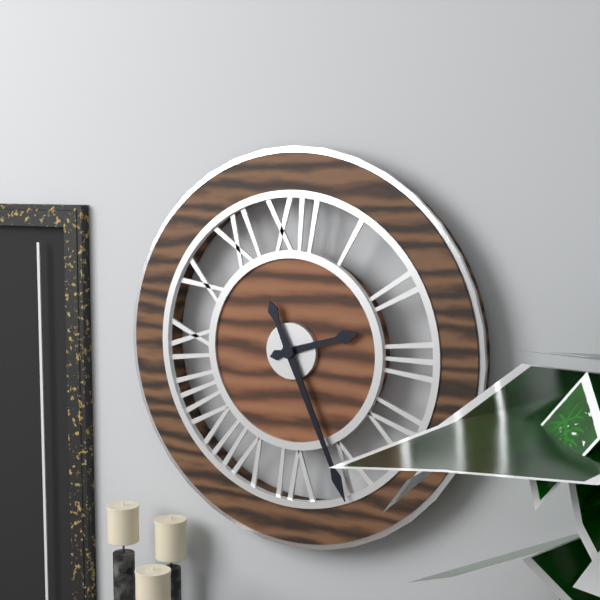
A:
2,26
